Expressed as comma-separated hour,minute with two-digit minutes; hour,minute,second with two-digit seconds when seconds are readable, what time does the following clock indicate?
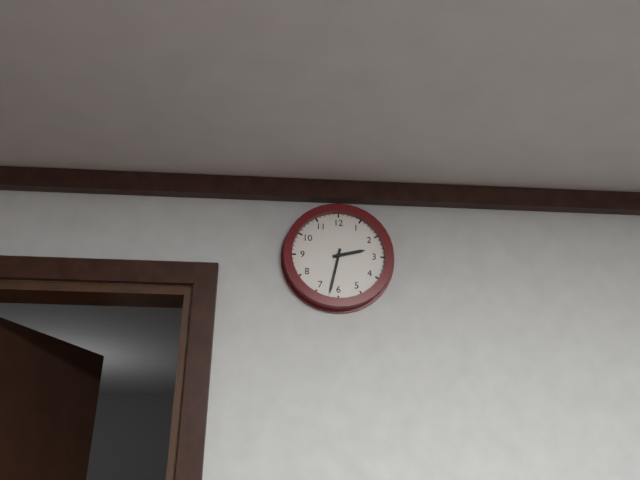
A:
2,32
